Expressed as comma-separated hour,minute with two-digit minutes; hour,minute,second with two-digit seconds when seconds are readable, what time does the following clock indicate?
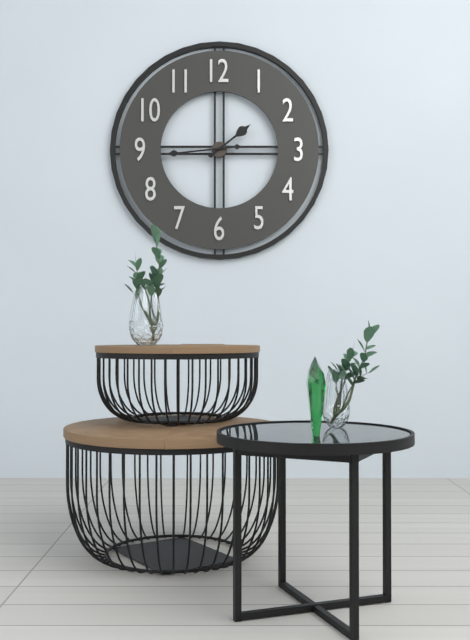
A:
1,44
